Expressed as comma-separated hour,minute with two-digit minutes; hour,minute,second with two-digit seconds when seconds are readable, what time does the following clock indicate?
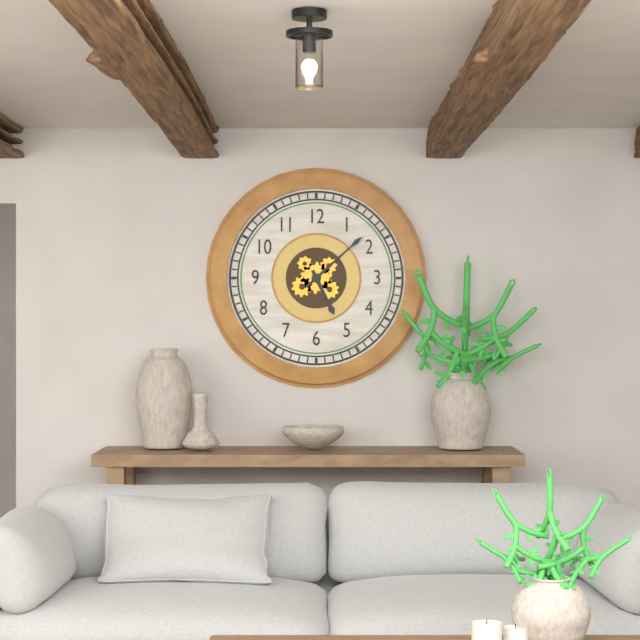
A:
5,08
